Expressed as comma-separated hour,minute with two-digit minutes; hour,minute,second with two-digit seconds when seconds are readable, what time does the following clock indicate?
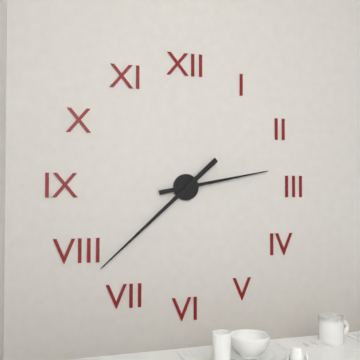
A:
2,38
